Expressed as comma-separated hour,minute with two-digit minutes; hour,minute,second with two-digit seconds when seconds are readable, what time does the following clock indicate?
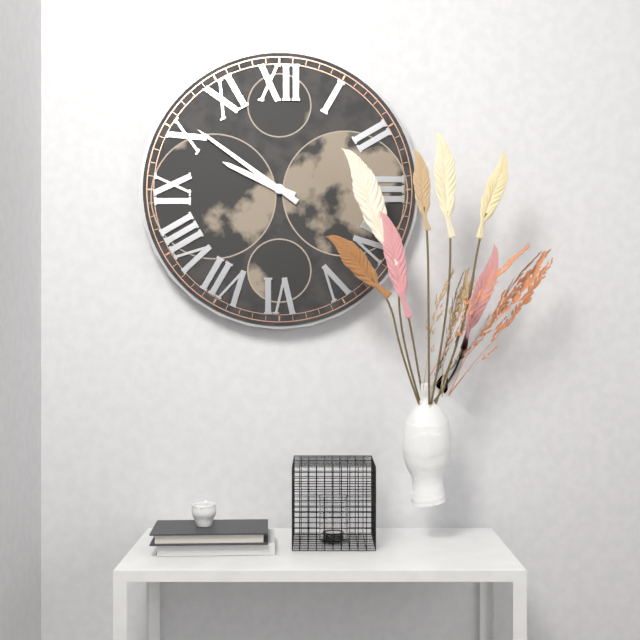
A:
9,51
